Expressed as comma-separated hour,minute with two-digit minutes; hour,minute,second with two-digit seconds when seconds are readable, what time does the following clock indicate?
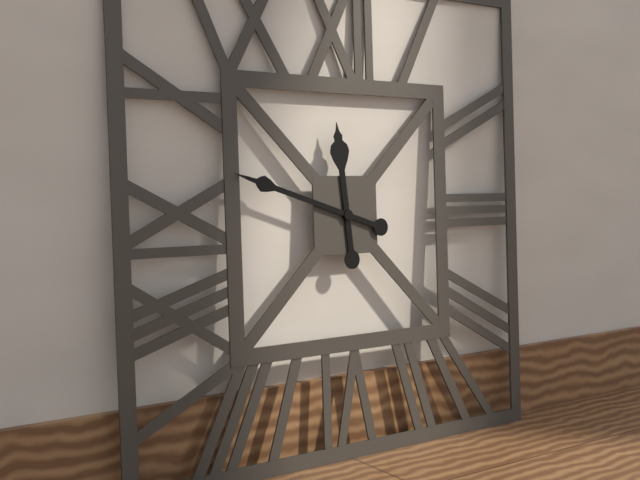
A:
11,48
